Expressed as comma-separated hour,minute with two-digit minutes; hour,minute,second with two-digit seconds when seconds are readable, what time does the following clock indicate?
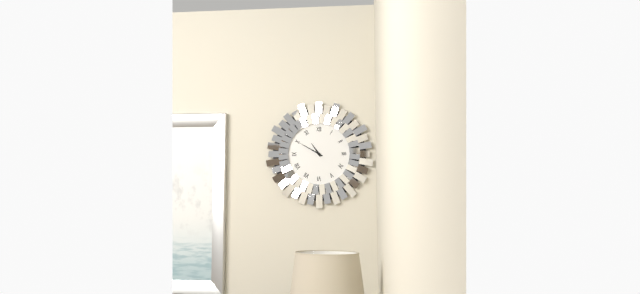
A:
10,50
